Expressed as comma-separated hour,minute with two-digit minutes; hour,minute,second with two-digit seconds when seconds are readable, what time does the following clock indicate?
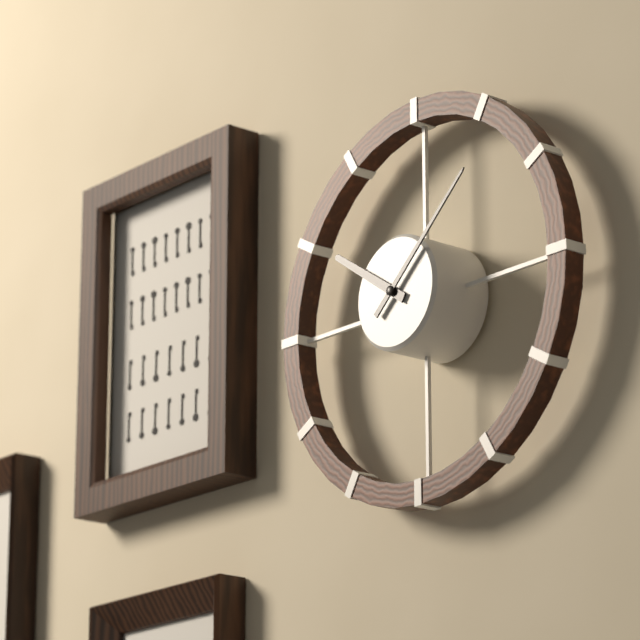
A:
10,08
